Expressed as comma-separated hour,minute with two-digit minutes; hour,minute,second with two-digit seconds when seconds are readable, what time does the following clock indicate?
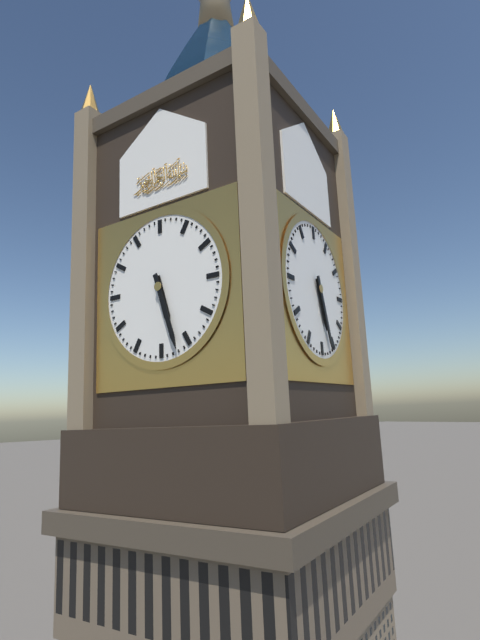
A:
5,27
